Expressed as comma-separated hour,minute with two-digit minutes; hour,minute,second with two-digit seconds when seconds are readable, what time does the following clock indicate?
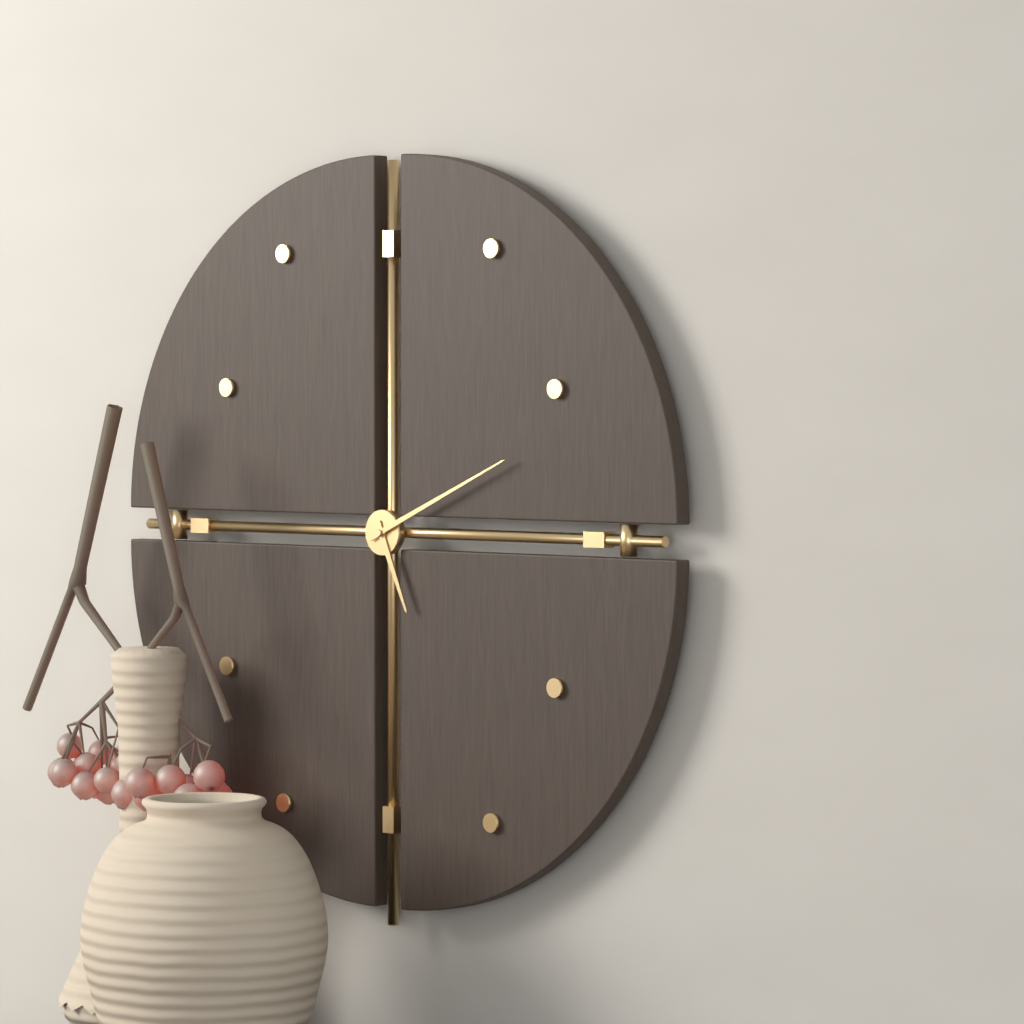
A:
5,11
